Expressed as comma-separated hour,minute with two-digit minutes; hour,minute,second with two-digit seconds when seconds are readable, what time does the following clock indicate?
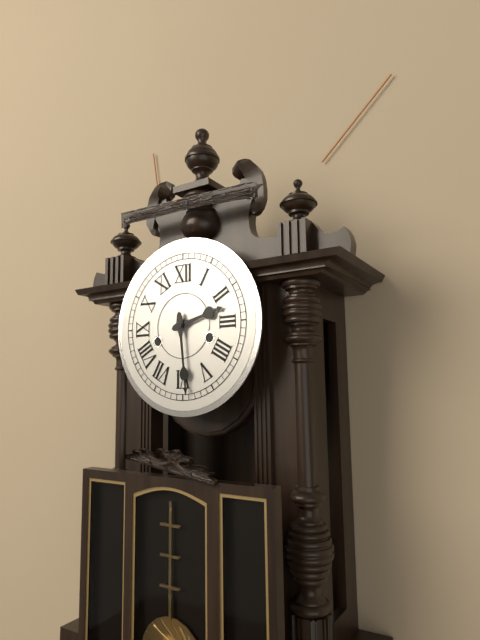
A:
2,29
